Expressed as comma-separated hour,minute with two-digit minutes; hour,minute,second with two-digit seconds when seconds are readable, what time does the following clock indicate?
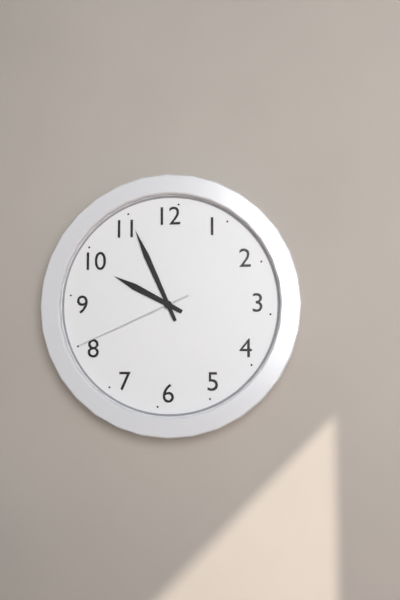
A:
9,56,41
